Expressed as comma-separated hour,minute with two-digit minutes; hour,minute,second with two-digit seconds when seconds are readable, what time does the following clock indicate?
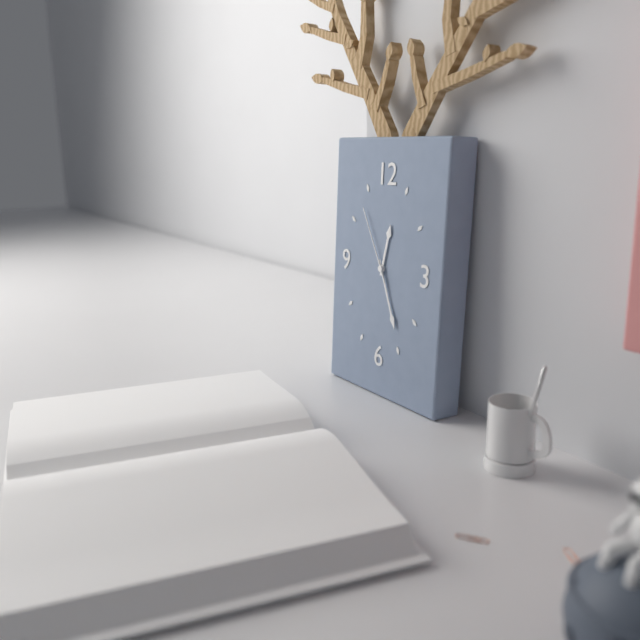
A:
12,26,55
